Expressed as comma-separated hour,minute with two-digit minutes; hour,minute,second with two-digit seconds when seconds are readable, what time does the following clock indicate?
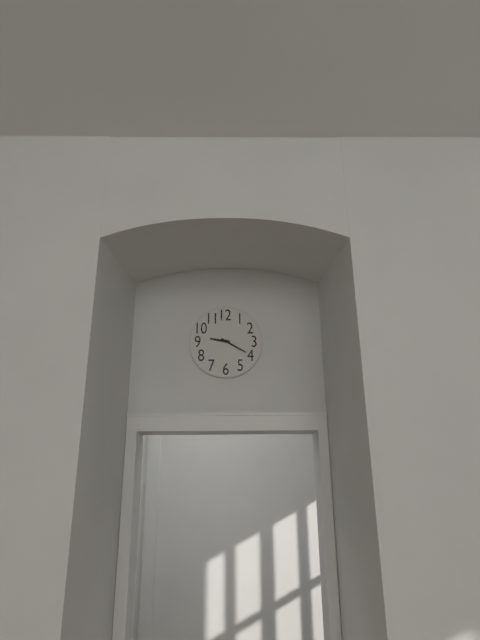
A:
9,20
